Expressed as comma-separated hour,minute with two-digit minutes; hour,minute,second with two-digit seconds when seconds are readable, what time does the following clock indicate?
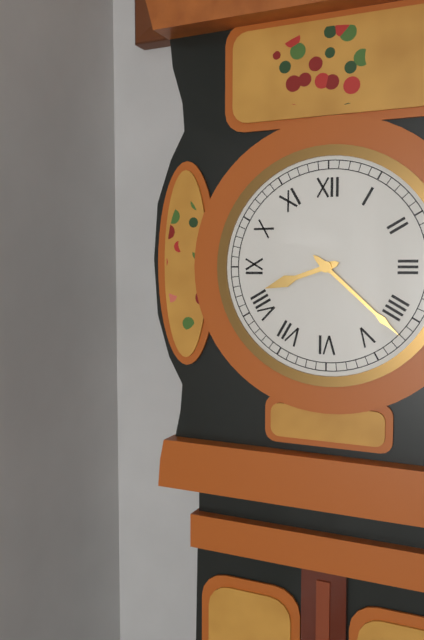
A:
8,22
